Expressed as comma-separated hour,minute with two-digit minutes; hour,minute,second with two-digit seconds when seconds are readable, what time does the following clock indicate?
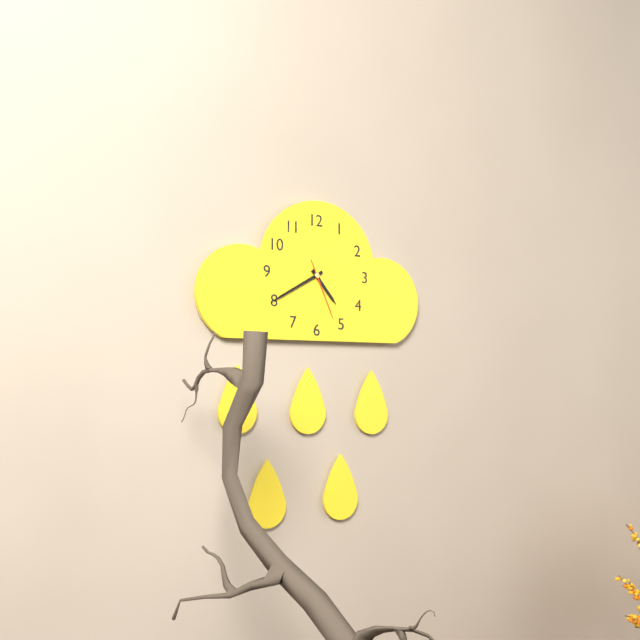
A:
4,40,26
